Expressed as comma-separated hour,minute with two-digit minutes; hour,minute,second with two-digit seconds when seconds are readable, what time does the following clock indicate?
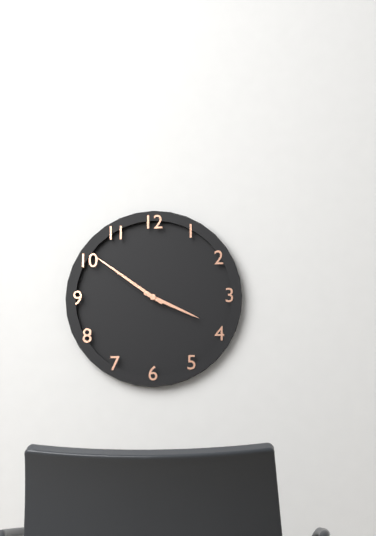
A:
3,51
